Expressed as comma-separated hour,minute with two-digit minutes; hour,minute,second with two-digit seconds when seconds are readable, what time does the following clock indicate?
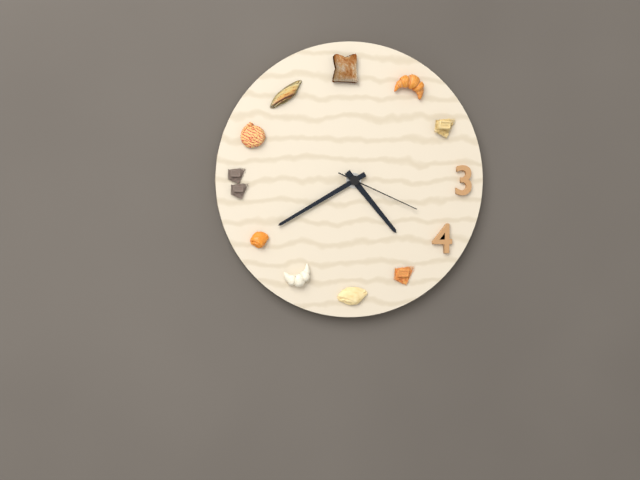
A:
4,40,19
